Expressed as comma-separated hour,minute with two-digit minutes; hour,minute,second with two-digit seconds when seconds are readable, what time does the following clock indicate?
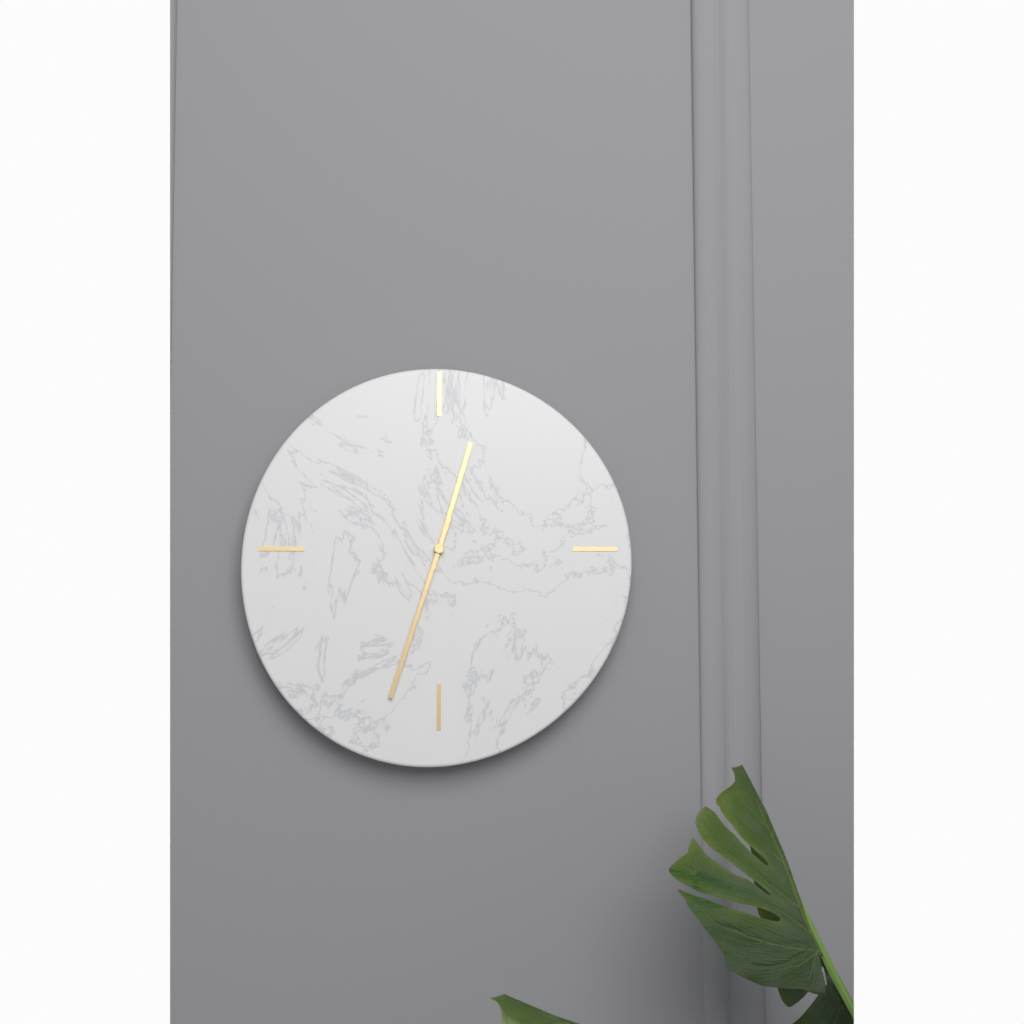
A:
12,33
